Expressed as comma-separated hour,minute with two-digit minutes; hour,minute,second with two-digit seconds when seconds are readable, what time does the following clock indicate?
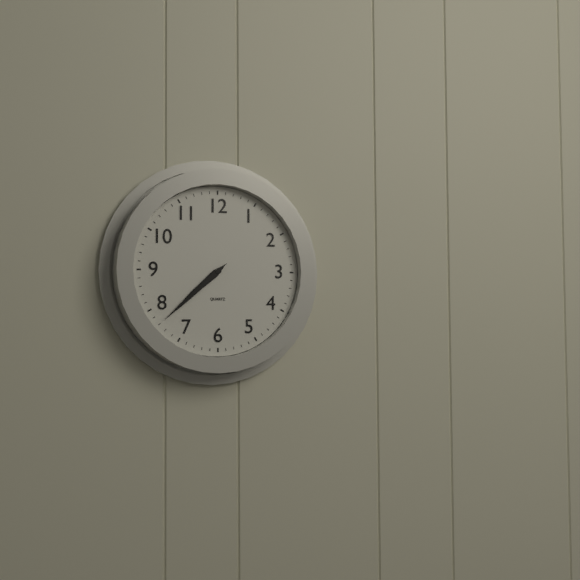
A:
7,38
